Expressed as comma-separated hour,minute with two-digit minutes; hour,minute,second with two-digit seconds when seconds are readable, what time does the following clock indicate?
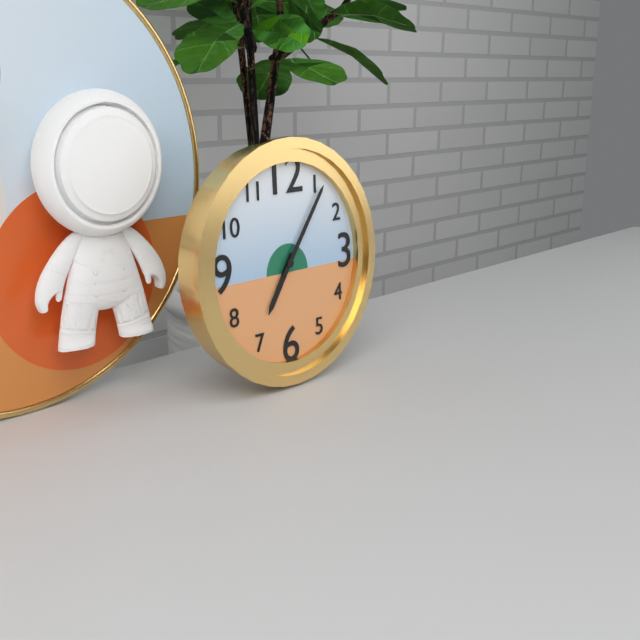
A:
7,06
